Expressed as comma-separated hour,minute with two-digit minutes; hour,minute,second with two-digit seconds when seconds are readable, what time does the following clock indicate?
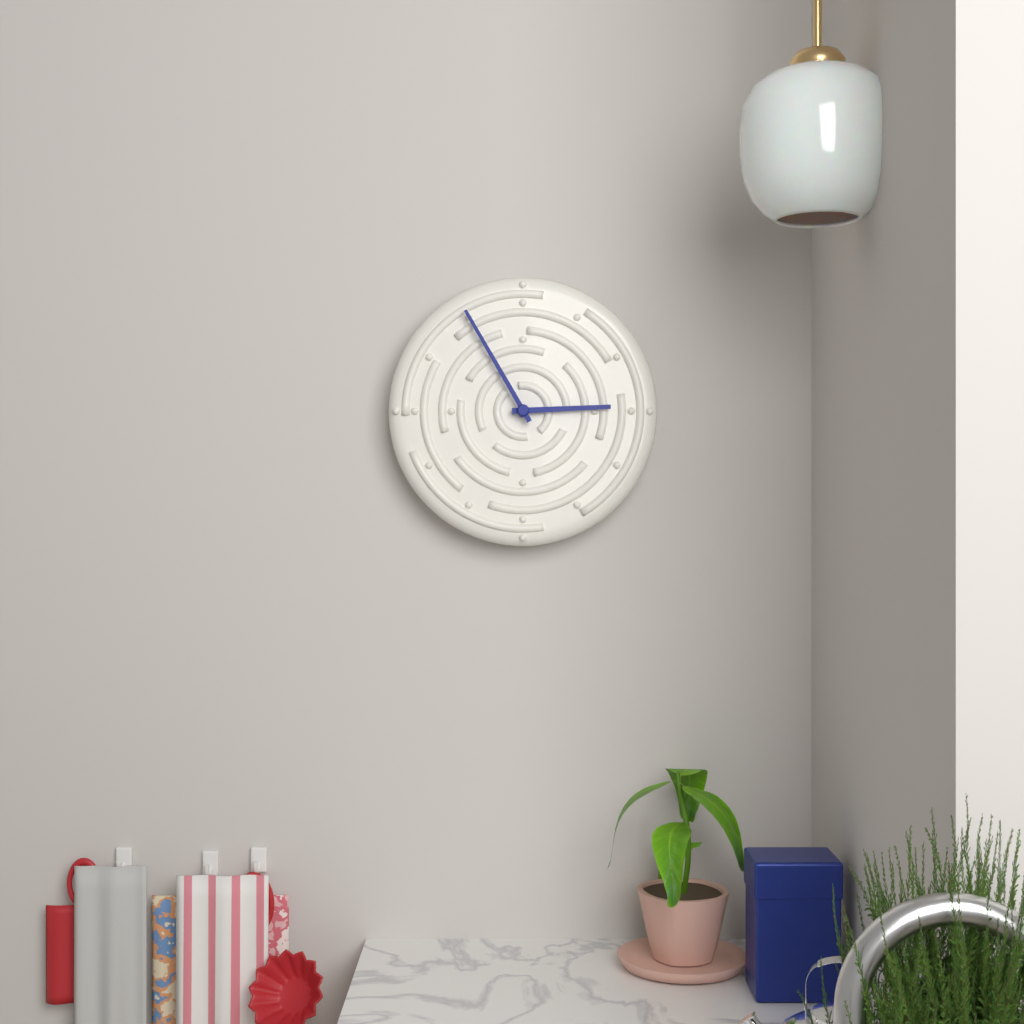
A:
2,55
